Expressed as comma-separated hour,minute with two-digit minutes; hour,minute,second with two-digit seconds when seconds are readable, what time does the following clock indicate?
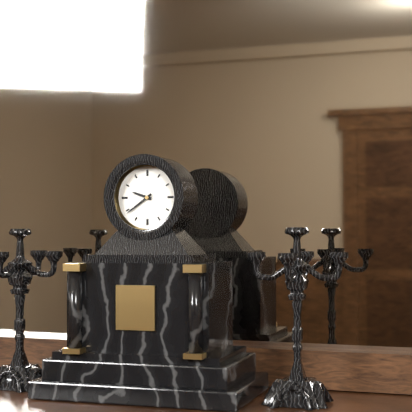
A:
9,39
